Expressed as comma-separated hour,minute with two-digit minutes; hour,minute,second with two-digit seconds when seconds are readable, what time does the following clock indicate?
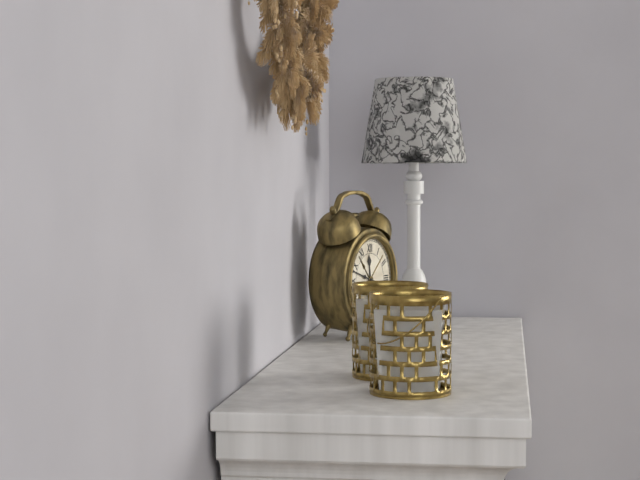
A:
11,48
